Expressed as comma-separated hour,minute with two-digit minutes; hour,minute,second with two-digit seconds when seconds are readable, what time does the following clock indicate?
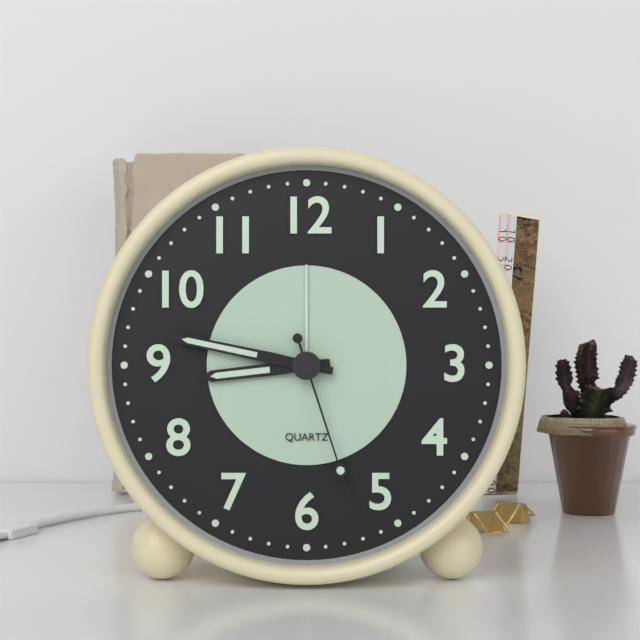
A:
8,47,27
